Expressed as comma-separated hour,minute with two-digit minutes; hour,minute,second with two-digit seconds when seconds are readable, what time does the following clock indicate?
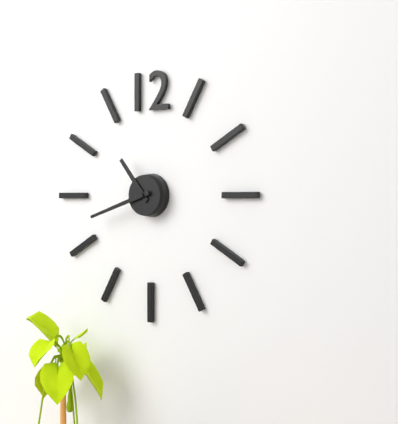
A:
10,42
